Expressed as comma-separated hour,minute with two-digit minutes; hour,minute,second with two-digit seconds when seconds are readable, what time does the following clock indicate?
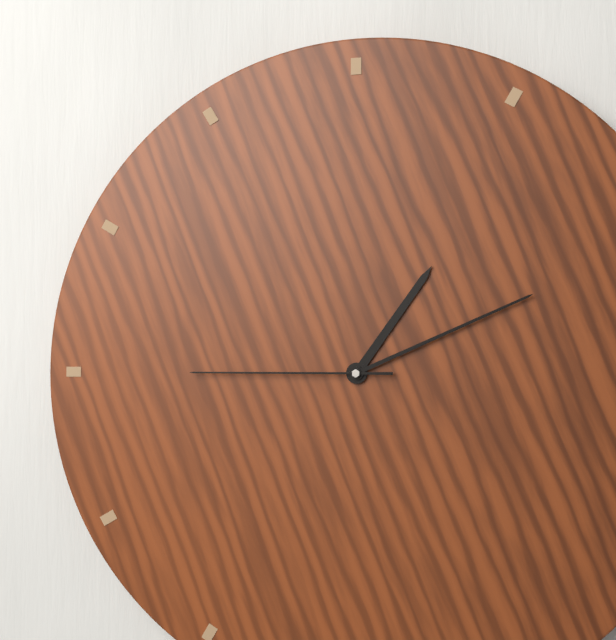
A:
1,11,45
